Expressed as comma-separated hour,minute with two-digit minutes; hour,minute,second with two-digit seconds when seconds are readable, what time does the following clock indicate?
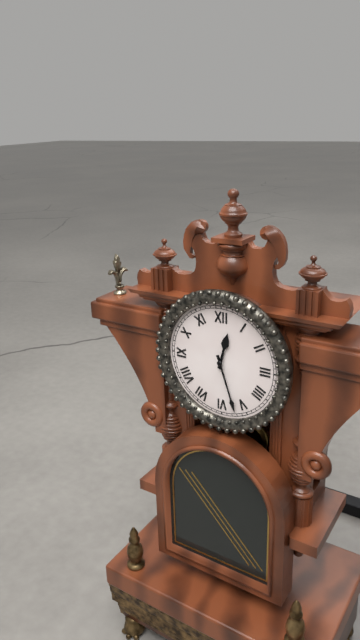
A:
12,27
